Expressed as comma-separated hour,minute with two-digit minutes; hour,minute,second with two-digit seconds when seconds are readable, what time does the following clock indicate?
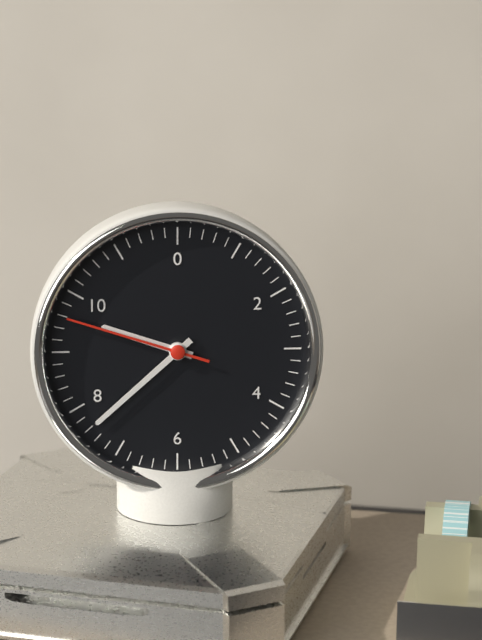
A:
9,38,48
